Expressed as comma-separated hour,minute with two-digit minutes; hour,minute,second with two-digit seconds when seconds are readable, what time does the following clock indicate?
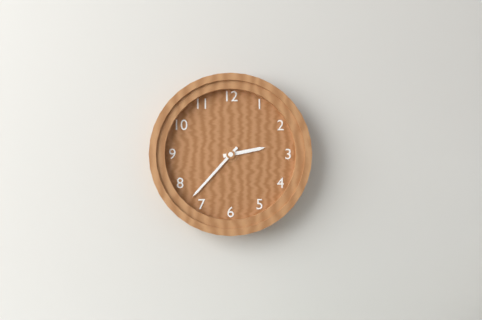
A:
2,37
